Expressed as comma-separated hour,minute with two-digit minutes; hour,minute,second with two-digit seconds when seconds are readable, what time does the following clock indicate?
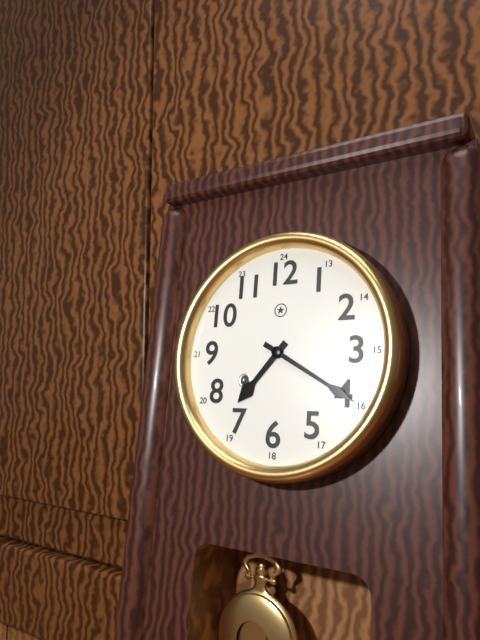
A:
7,20
